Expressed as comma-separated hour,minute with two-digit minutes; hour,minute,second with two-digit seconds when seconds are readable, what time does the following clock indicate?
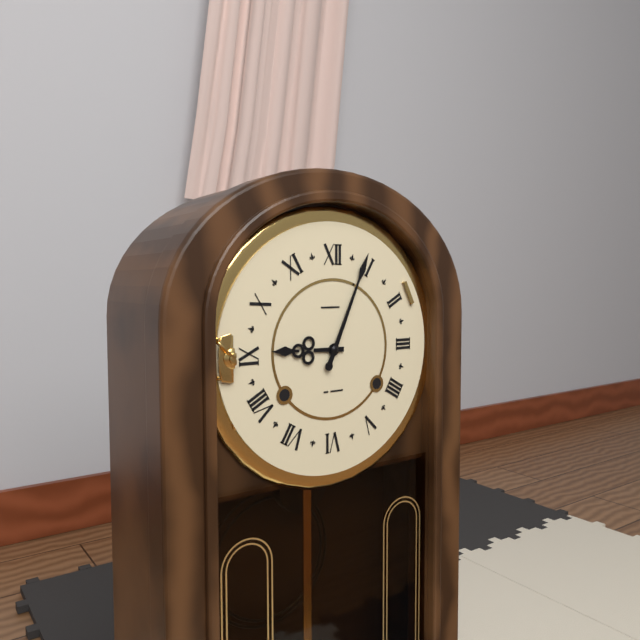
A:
9,04
